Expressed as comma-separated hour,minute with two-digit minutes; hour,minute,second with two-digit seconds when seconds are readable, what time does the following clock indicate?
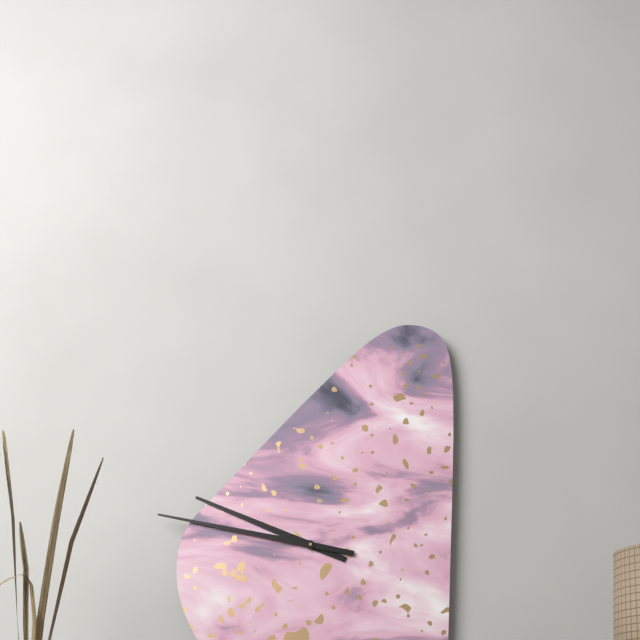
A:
9,47
